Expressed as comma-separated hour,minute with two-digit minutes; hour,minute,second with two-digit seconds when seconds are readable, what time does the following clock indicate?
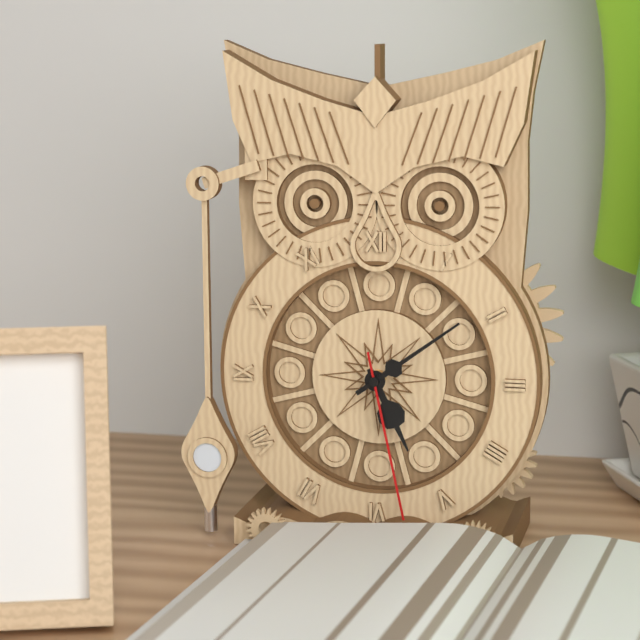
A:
5,09,28
